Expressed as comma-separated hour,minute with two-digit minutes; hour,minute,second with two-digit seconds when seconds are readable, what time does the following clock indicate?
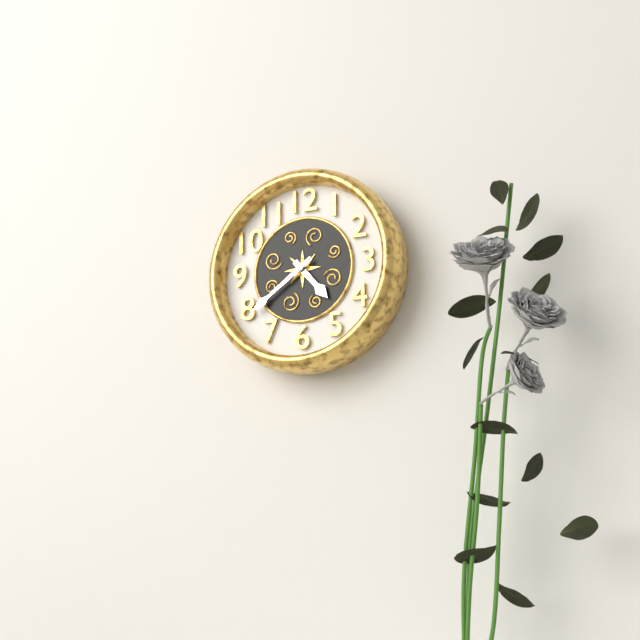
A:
4,39
